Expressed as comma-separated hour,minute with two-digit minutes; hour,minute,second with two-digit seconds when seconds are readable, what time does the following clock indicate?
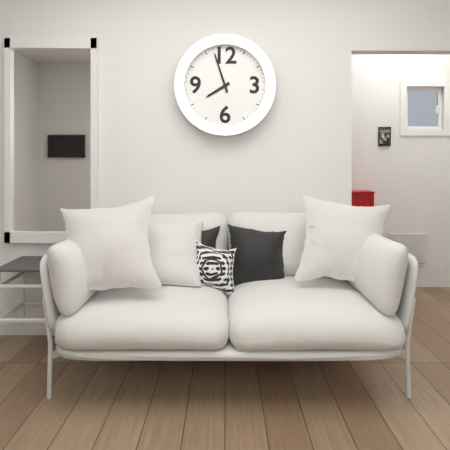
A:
7,57
